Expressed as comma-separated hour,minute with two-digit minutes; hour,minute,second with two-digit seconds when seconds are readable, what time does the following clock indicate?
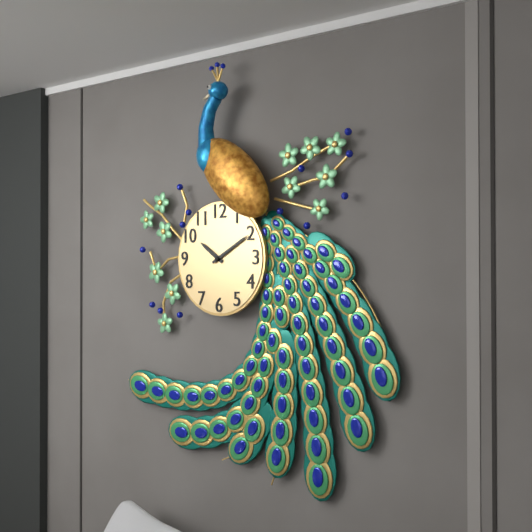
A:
10,10
